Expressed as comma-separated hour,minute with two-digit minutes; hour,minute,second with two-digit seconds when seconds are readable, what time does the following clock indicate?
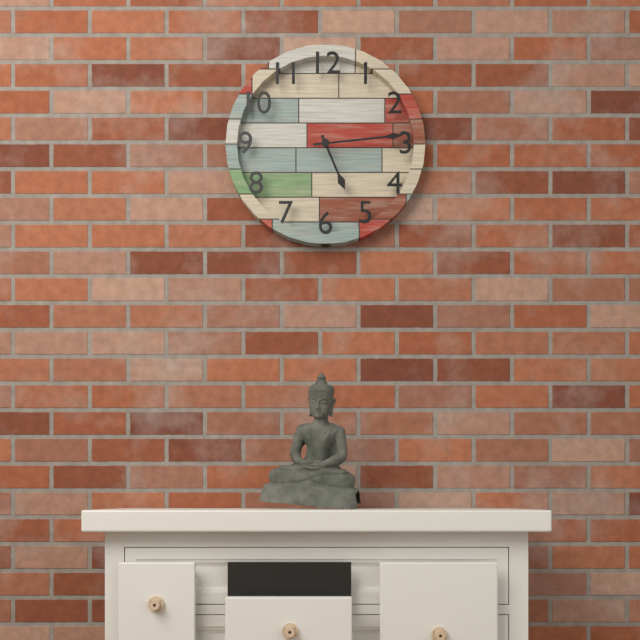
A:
5,14
